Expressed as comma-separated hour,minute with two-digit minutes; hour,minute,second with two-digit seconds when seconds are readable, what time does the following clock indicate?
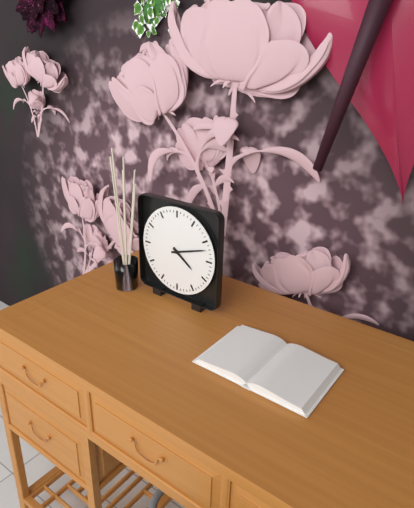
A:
4,12
